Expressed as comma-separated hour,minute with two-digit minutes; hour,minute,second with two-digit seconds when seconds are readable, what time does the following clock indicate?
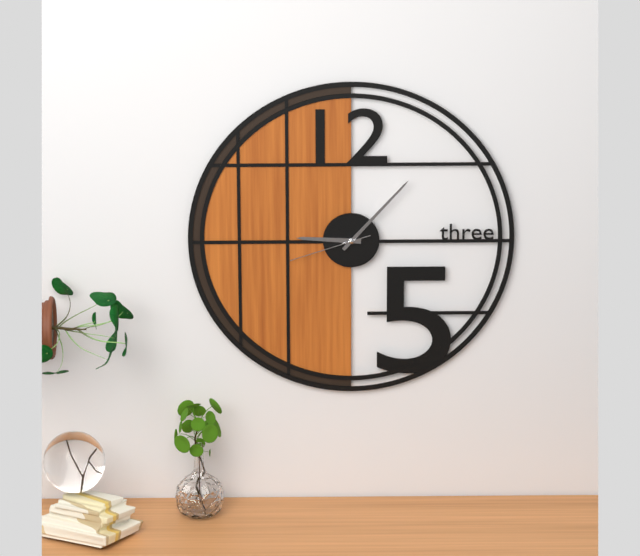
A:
9,07,42
